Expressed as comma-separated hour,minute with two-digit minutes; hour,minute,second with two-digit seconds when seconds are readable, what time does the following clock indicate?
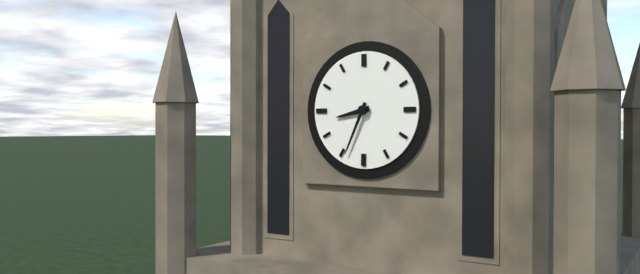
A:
8,34
